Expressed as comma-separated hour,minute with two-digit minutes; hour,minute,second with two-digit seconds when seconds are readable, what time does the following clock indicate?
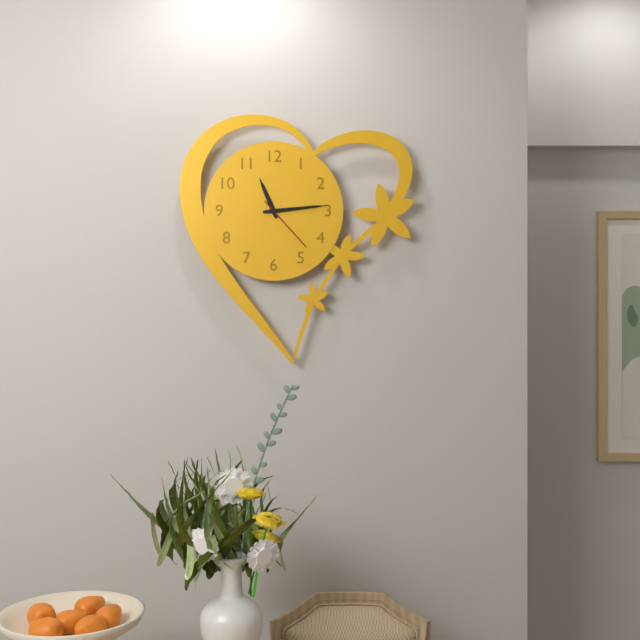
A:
11,14,23
